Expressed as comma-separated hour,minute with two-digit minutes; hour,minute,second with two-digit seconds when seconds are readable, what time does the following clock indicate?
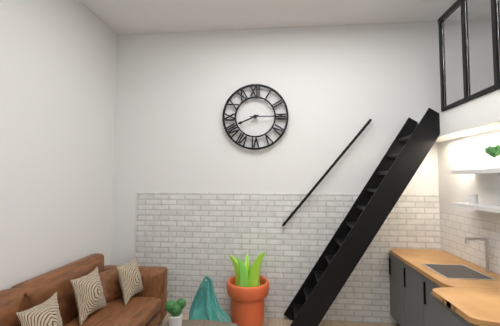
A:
8,15
